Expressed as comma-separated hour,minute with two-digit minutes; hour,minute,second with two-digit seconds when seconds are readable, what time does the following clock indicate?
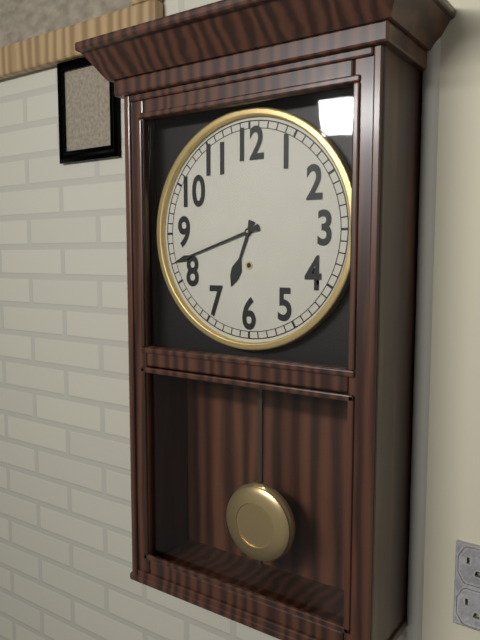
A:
6,42
